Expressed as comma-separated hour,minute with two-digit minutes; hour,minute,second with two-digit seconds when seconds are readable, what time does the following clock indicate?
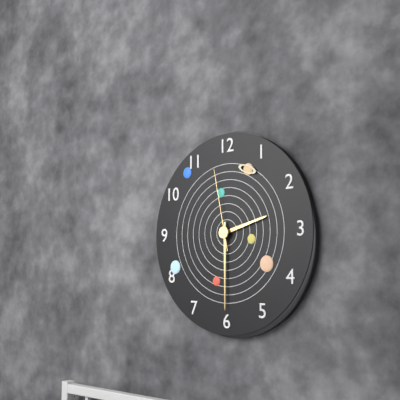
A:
2,30,58
